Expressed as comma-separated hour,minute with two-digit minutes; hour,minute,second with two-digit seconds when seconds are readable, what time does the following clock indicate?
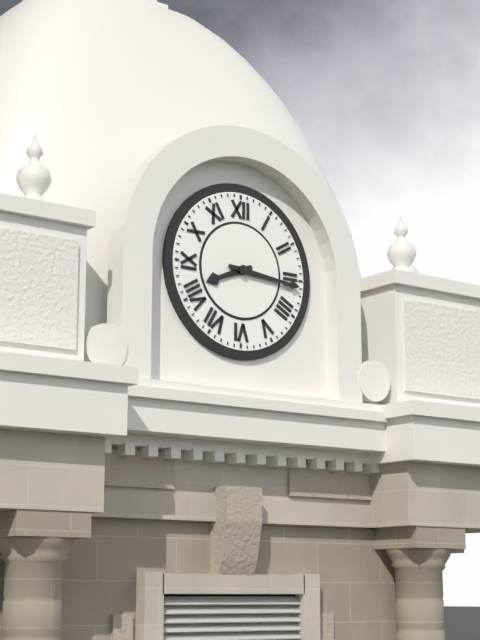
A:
8,16
